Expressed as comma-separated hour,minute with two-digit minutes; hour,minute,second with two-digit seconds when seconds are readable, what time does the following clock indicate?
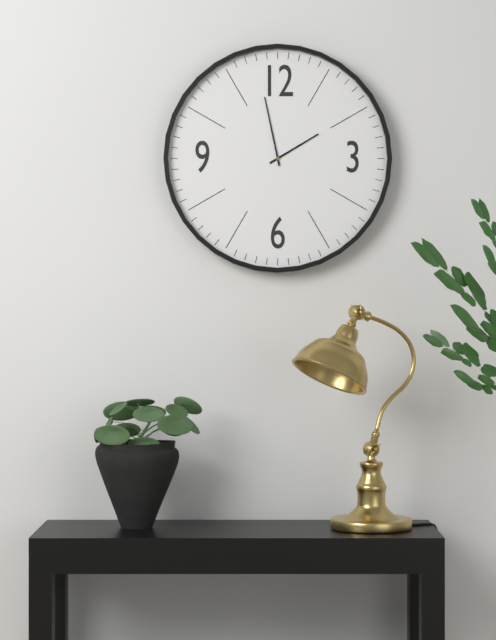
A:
1,58
